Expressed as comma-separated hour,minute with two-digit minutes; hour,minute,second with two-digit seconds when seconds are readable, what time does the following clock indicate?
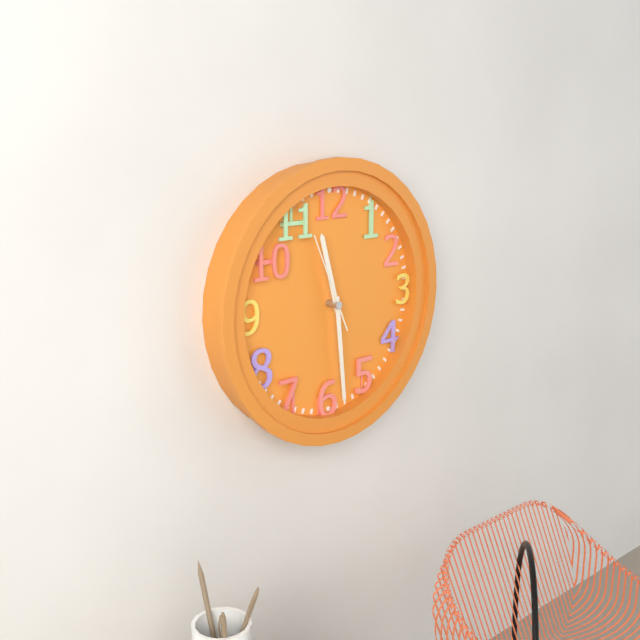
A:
11,29,56
